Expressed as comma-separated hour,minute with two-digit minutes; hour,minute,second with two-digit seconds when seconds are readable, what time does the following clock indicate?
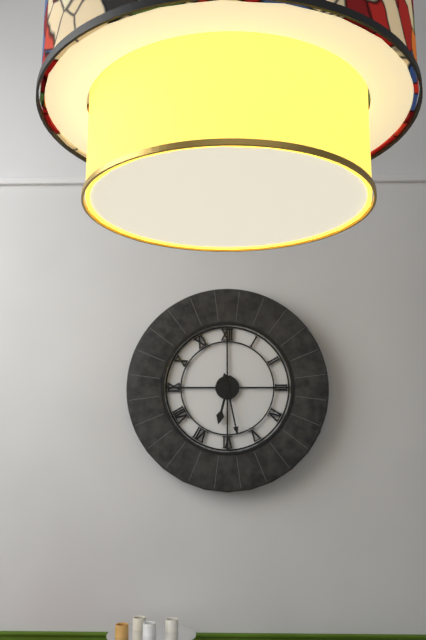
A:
6,28
